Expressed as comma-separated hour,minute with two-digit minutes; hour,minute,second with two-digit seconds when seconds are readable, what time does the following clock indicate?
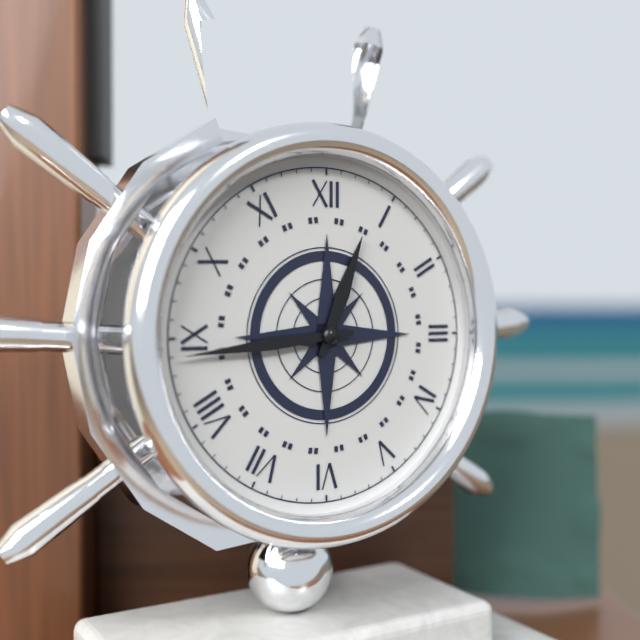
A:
12,44
